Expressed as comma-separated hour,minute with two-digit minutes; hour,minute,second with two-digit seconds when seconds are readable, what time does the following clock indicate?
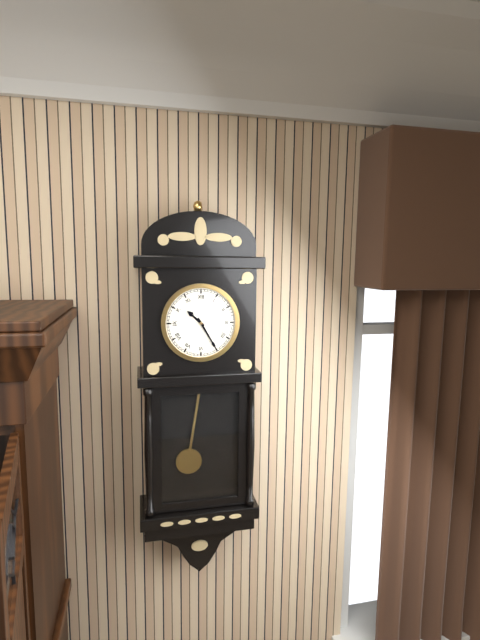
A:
10,25
